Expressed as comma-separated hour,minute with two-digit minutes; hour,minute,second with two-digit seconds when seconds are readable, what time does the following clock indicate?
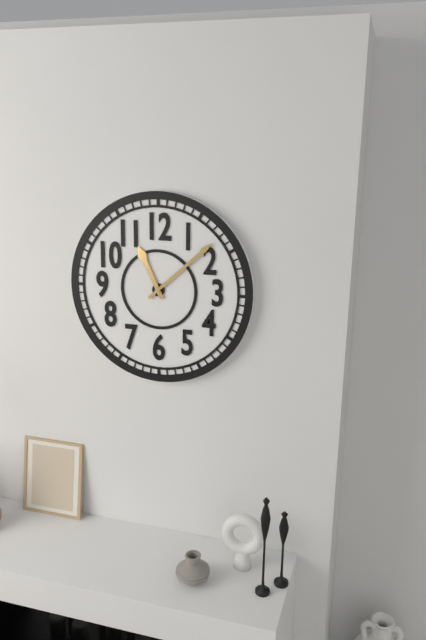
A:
11,08
